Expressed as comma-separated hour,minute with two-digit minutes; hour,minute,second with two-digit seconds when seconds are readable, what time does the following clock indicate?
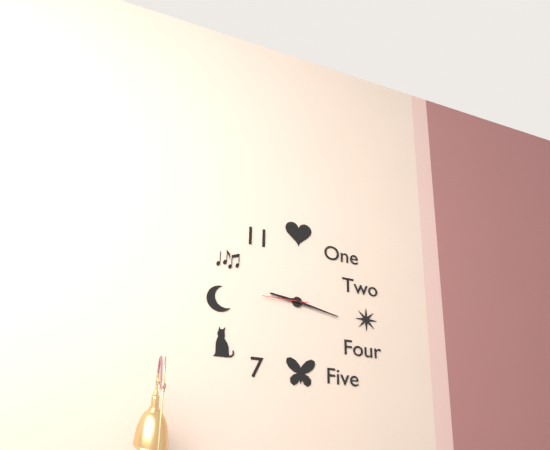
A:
9,17
